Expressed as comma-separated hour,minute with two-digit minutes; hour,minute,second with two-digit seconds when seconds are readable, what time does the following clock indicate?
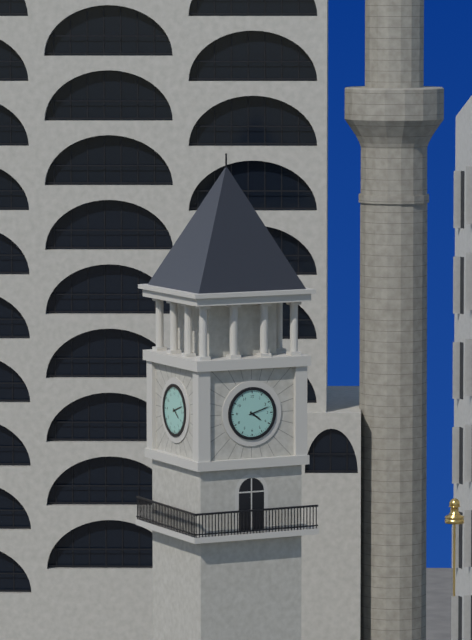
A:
4,12
